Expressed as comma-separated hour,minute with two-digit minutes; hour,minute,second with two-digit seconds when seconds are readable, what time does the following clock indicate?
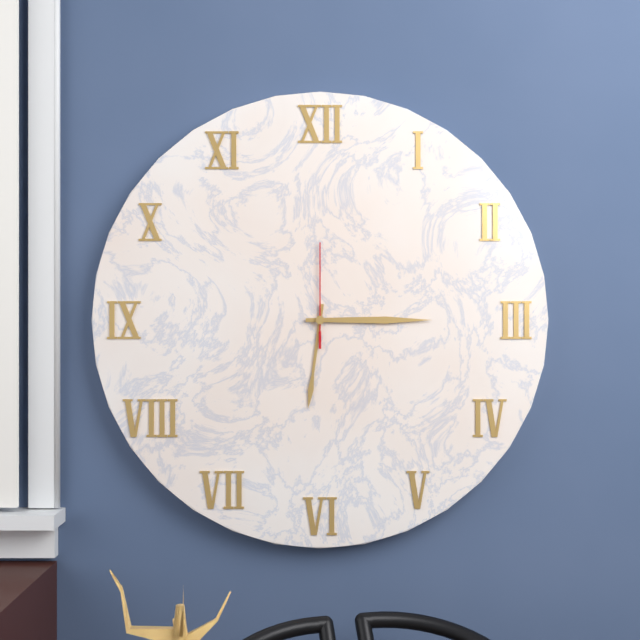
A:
6,15,00
